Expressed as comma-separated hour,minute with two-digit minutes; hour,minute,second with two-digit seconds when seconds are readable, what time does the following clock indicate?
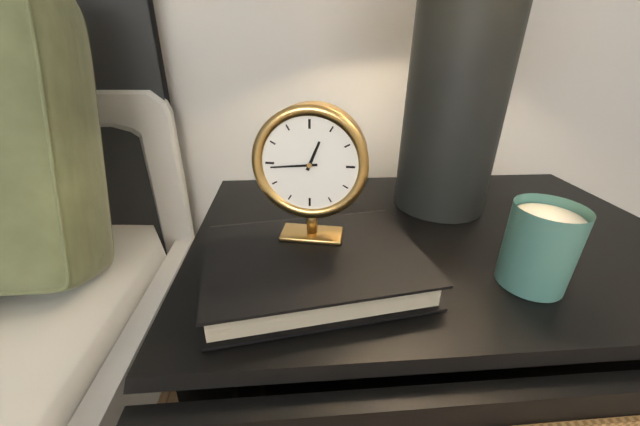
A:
12,44
